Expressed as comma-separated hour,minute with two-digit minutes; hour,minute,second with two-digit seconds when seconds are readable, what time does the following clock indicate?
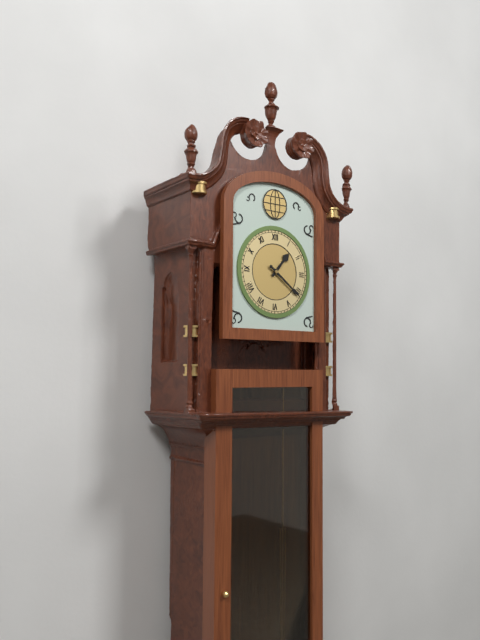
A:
1,21
